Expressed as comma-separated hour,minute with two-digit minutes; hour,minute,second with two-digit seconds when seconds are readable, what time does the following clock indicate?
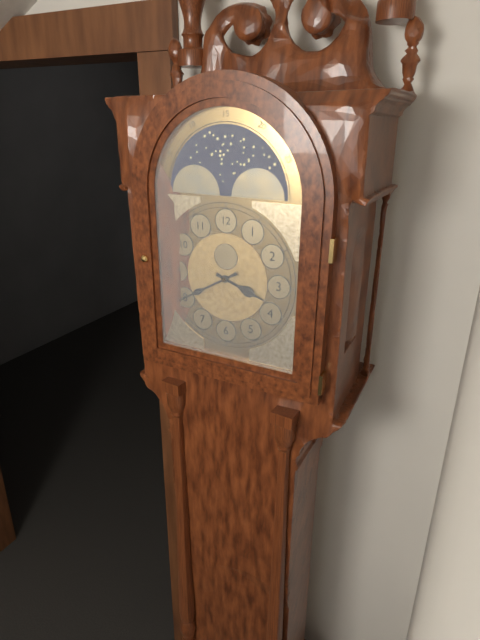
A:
3,40
